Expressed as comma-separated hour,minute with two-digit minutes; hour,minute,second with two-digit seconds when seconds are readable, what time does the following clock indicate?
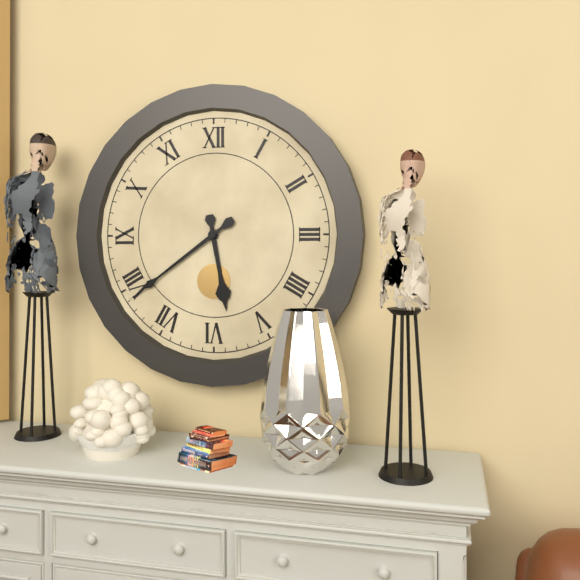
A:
5,39
